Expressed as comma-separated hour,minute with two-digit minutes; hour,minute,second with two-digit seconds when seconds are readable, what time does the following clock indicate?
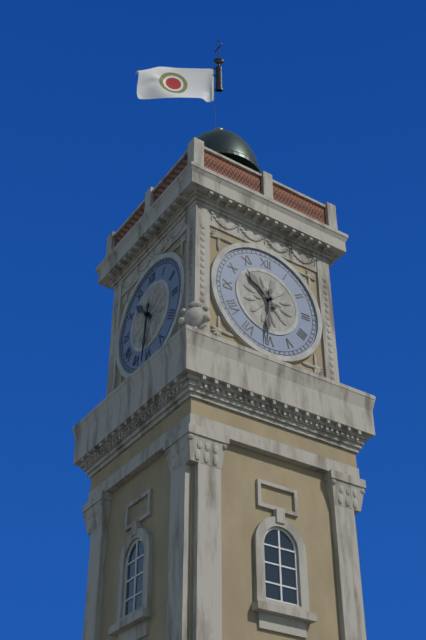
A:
10,31
